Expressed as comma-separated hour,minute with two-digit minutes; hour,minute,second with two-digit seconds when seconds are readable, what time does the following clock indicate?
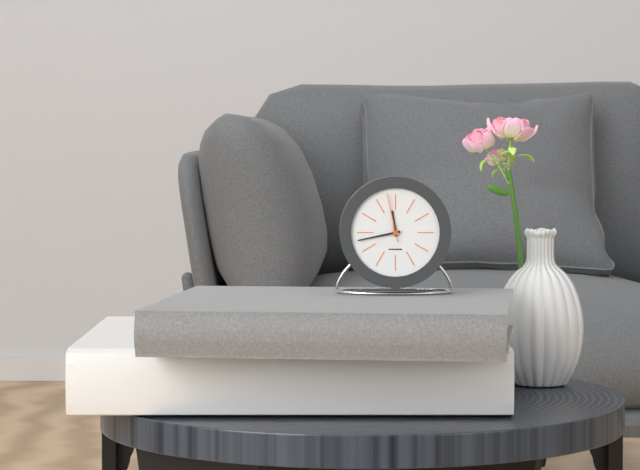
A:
11,43,58
